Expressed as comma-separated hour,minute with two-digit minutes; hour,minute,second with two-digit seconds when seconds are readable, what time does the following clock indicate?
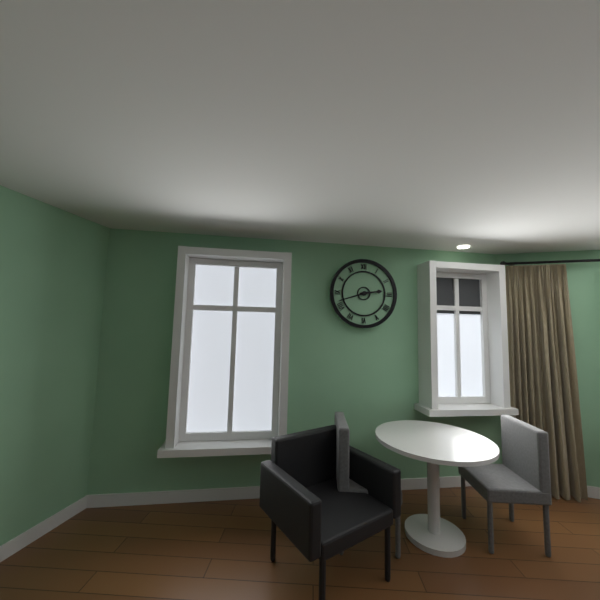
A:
2,42
